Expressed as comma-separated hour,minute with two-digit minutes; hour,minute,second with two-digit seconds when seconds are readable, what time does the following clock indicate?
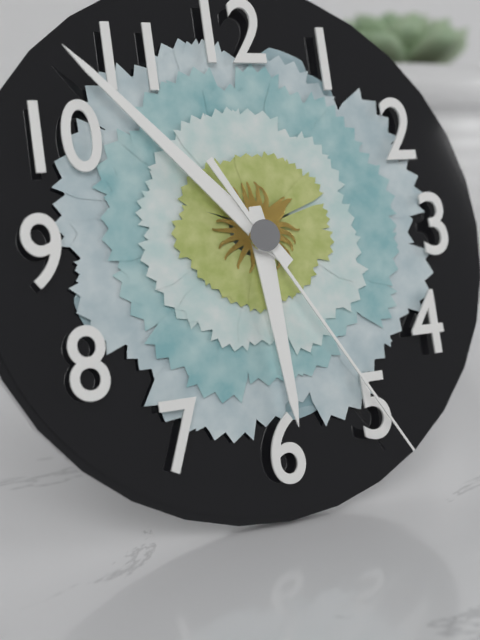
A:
5,53,25
